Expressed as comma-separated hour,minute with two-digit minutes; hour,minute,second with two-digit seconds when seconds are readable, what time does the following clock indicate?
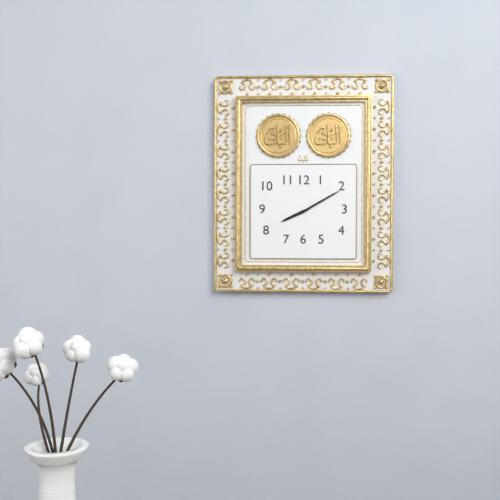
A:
8,10
